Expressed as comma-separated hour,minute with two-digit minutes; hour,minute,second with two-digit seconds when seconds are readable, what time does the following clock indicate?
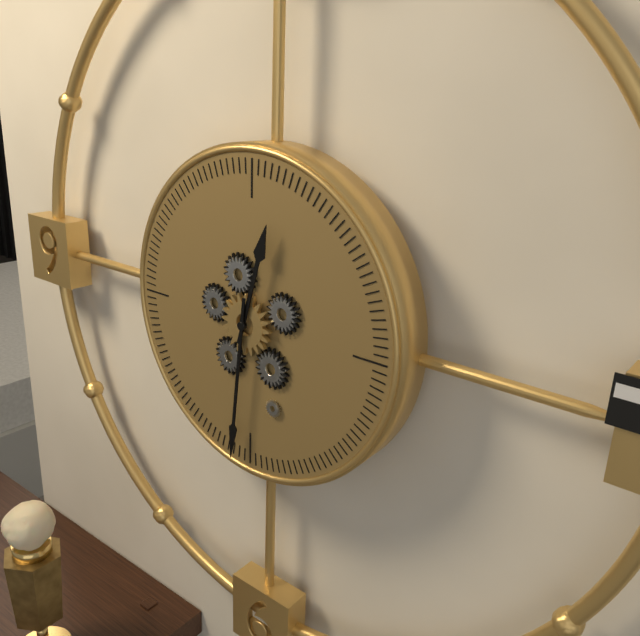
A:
12,31
